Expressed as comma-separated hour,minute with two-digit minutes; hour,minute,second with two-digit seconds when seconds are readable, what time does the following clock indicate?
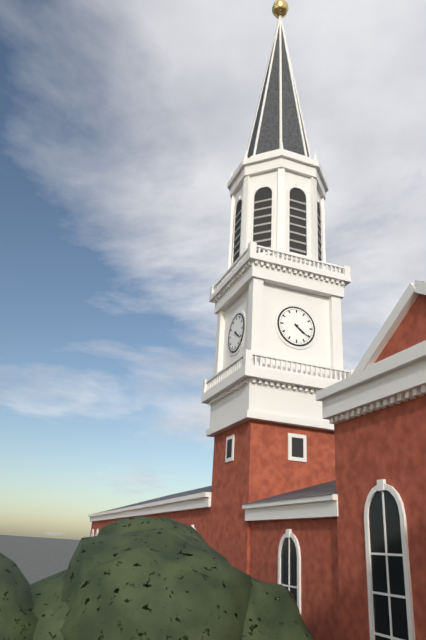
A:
4,21
